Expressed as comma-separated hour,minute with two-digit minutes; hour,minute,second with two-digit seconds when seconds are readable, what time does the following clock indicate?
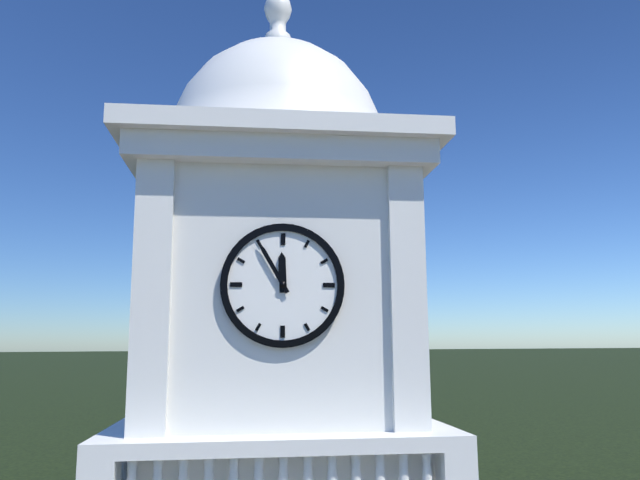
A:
11,55
